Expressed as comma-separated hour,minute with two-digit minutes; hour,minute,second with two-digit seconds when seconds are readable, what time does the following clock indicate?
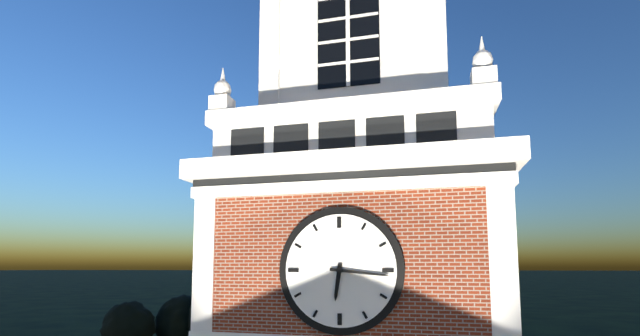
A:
6,16
